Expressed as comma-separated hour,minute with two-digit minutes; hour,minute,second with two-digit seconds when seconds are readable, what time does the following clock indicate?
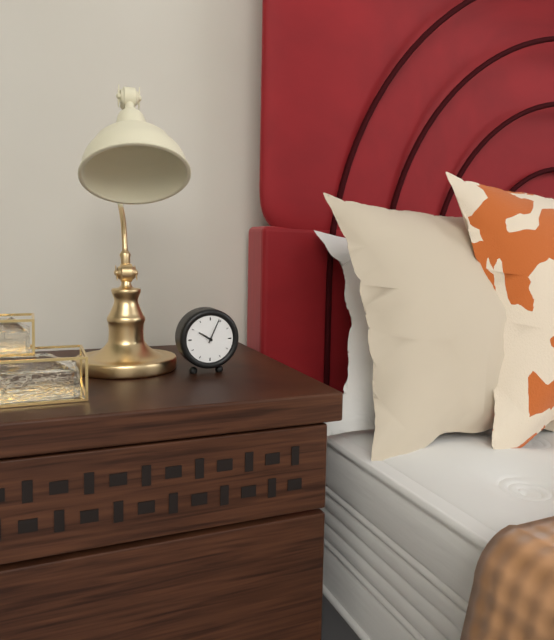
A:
10,04
